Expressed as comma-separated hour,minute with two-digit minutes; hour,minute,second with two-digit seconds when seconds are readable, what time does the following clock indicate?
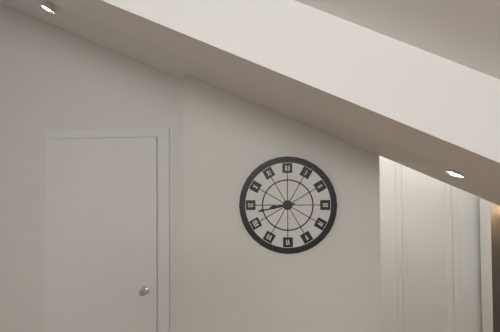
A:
8,43
